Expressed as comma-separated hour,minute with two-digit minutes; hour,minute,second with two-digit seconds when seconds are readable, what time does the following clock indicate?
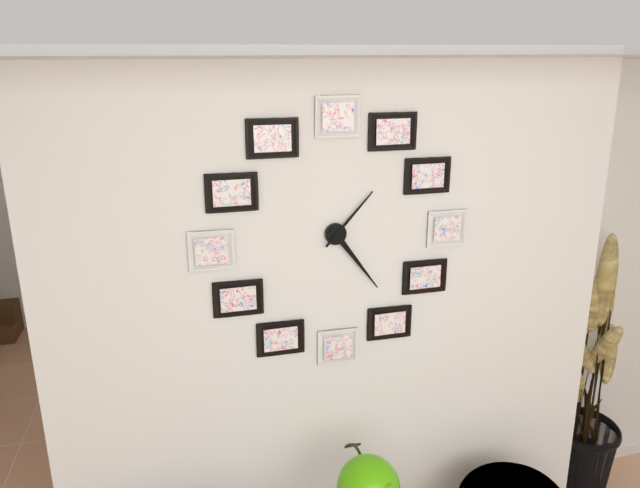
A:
1,24
